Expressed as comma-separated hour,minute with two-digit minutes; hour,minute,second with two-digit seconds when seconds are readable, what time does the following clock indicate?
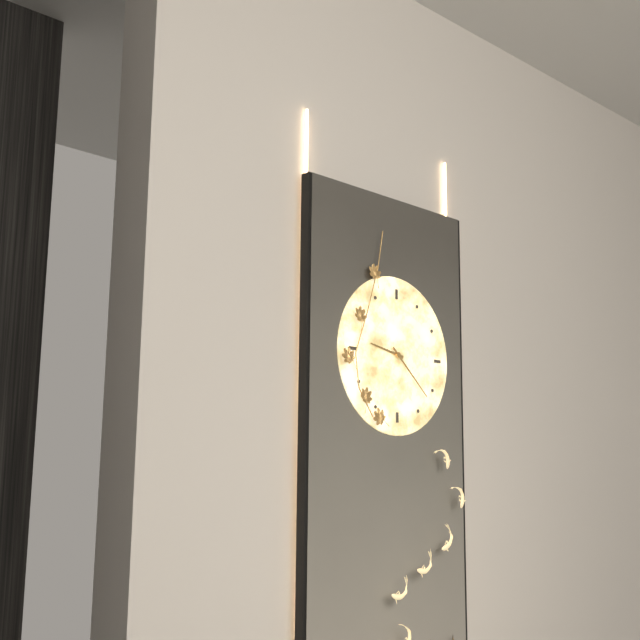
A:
9,22
